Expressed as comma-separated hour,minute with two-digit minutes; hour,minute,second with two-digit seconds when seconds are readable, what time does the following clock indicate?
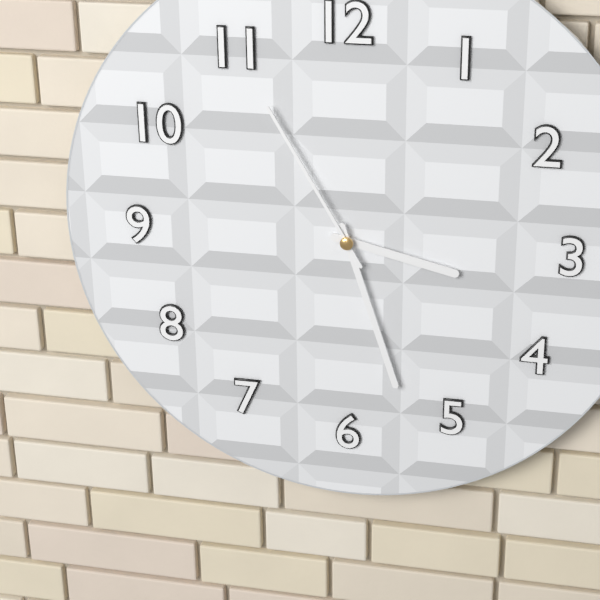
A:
3,27,55
